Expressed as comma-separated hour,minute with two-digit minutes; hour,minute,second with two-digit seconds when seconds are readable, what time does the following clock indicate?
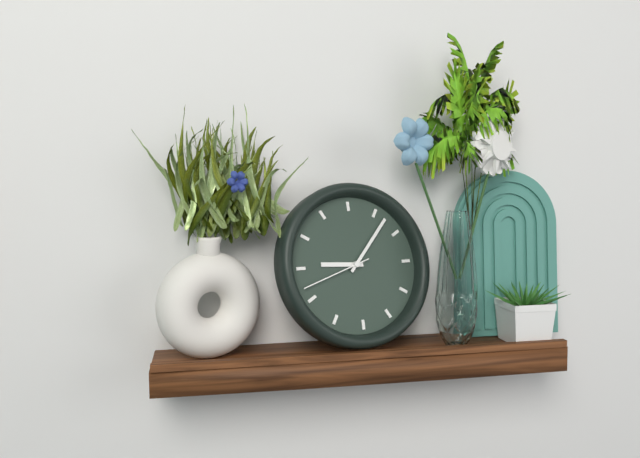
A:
9,07,42
